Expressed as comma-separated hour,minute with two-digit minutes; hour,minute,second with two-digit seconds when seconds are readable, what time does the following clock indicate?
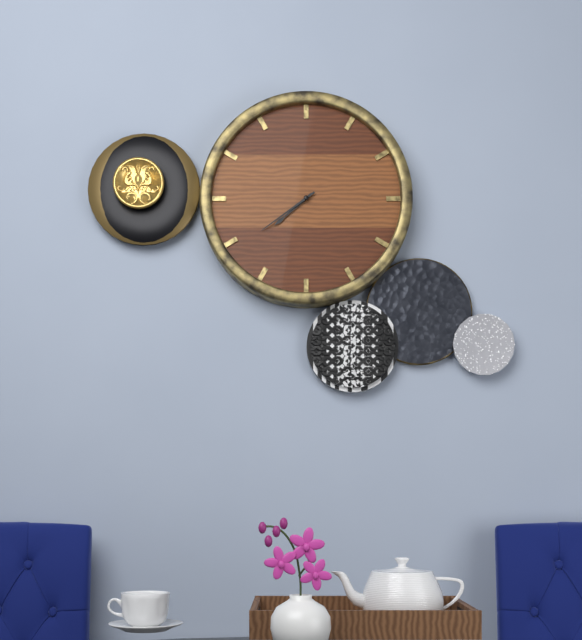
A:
7,39
